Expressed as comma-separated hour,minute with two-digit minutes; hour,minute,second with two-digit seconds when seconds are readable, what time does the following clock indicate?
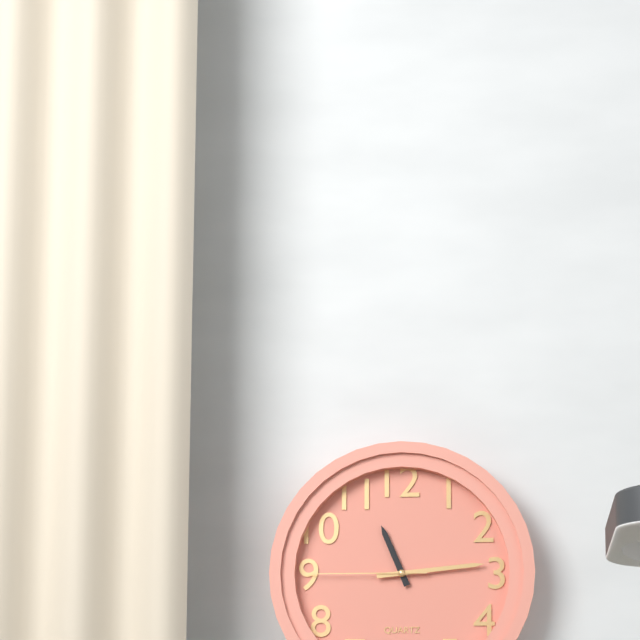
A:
11,14,45
